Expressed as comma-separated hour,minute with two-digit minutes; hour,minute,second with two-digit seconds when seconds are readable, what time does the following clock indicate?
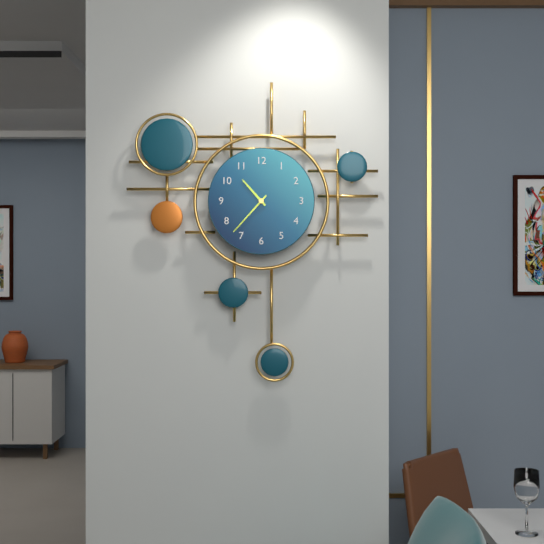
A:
10,37
